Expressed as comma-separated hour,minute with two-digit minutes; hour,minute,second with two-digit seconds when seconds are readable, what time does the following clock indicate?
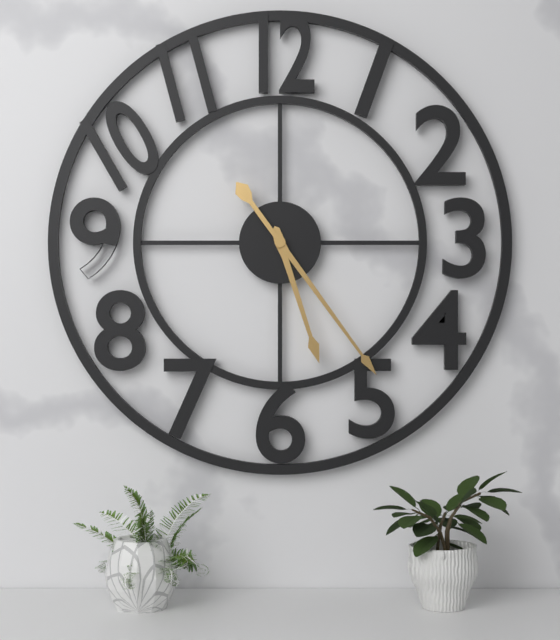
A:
5,24
